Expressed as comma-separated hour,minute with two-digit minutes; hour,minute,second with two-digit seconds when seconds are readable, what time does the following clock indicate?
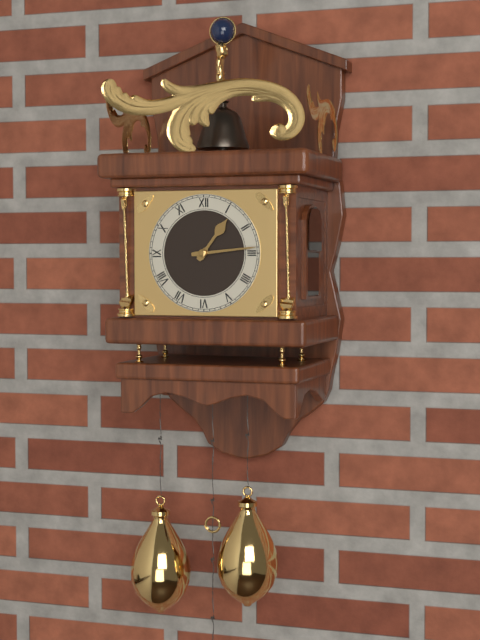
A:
1,14
